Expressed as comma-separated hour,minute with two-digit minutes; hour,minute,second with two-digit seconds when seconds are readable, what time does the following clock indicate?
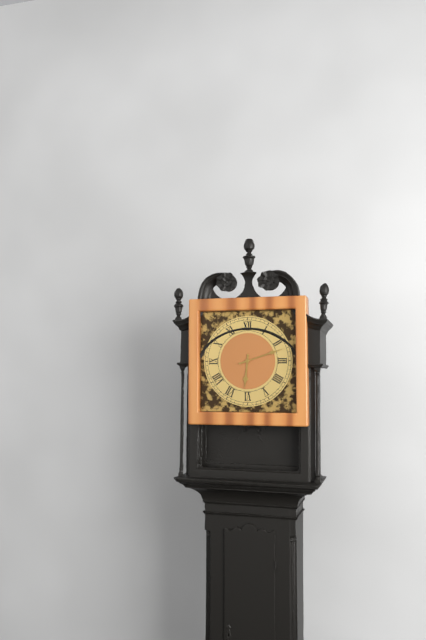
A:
6,12
